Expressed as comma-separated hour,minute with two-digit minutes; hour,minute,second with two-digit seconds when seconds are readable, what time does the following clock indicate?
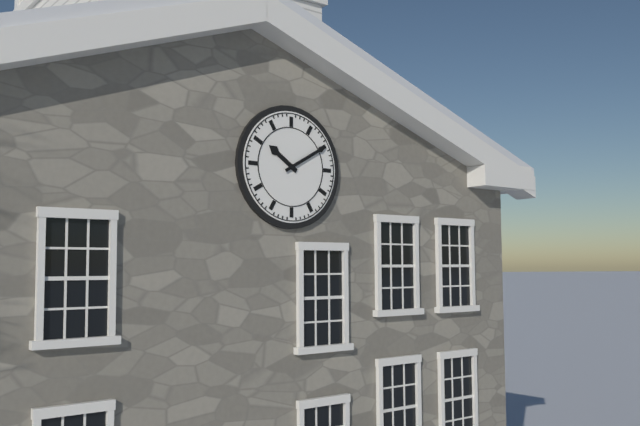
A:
10,10
